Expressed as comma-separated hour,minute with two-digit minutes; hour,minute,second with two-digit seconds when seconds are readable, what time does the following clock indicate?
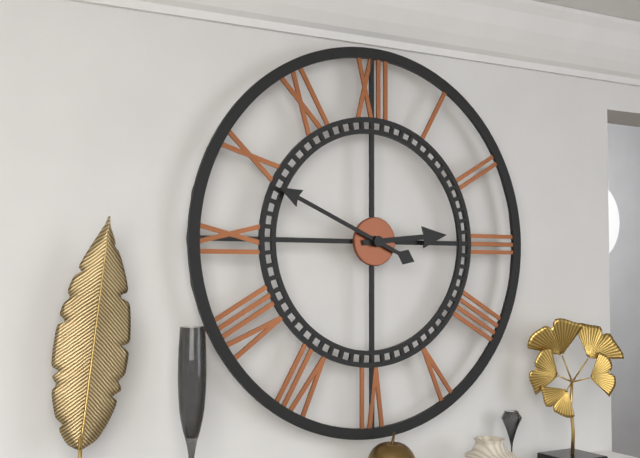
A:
2,49
